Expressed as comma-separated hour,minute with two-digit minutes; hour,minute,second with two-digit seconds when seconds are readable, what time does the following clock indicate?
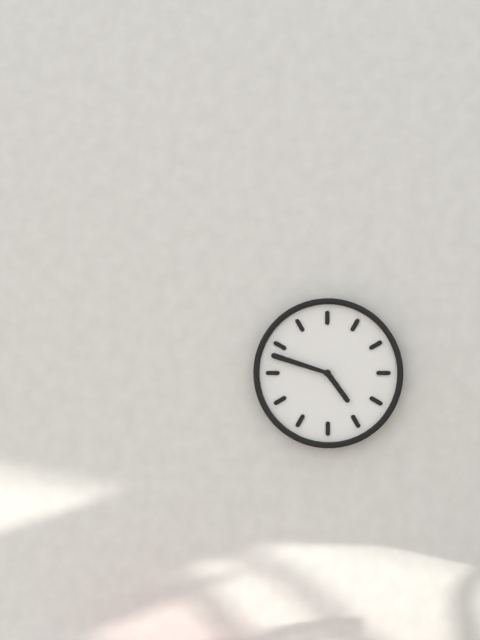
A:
4,48
